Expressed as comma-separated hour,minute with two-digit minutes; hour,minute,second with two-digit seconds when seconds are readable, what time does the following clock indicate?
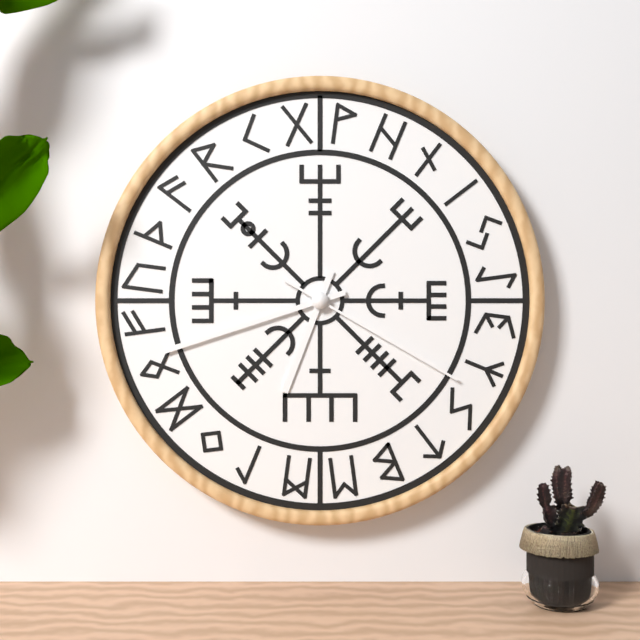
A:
6,42,20
